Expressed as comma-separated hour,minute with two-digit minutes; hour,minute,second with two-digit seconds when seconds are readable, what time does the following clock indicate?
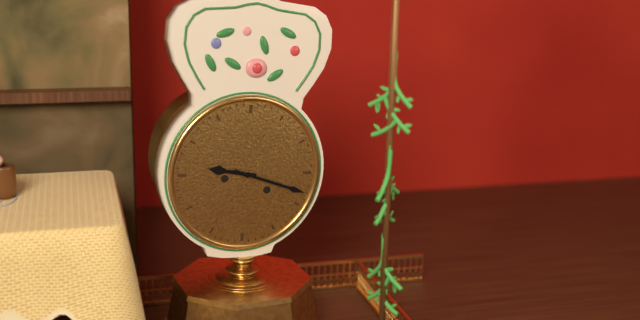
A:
9,18
